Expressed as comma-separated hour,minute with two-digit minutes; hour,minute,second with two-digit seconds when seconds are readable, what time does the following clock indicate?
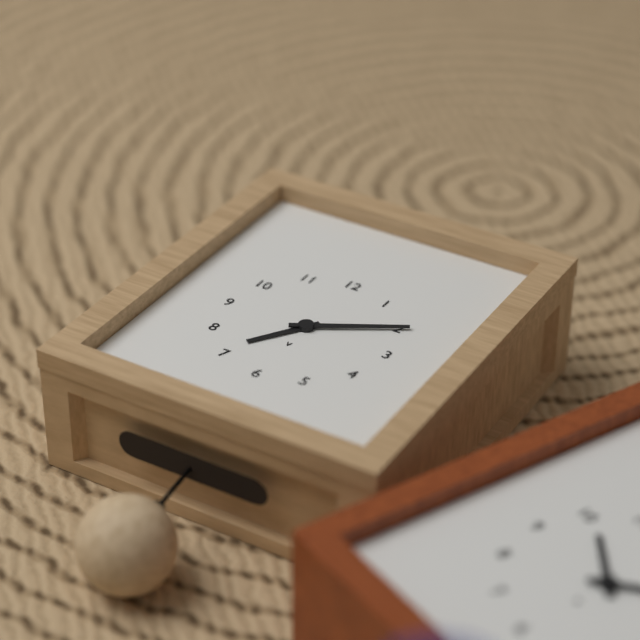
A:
7,10
